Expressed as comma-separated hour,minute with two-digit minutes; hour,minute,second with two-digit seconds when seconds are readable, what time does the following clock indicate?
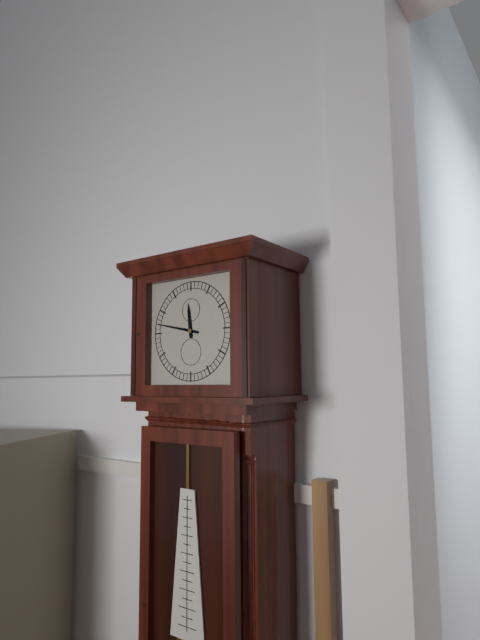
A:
11,47
